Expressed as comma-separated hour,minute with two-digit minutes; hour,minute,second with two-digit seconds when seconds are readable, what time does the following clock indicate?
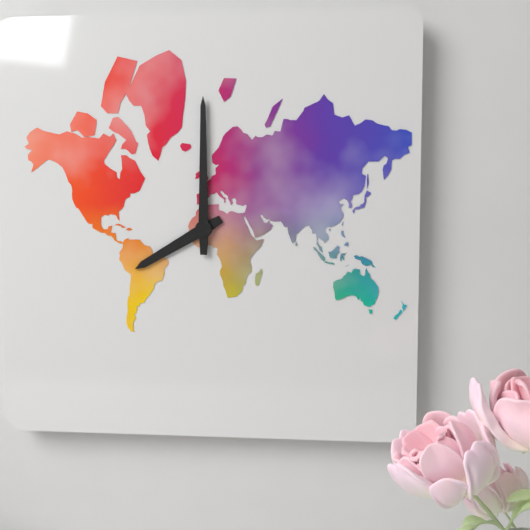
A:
8,00
